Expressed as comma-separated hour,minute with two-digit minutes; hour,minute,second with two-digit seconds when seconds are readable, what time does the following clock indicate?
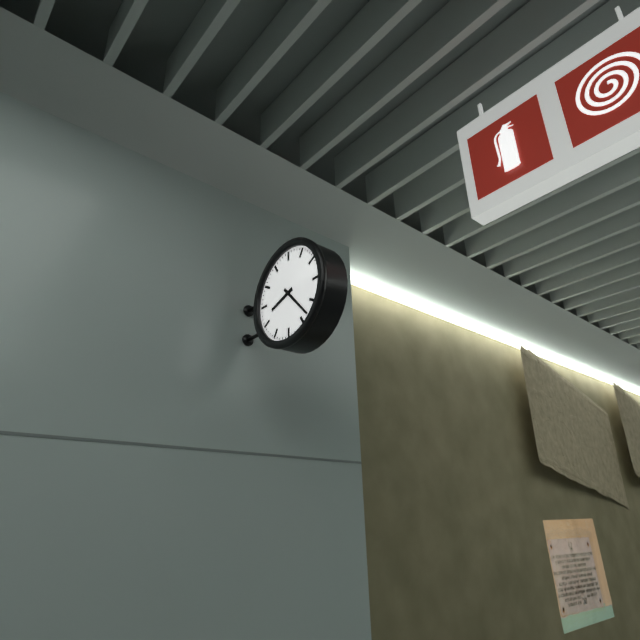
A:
8,23
